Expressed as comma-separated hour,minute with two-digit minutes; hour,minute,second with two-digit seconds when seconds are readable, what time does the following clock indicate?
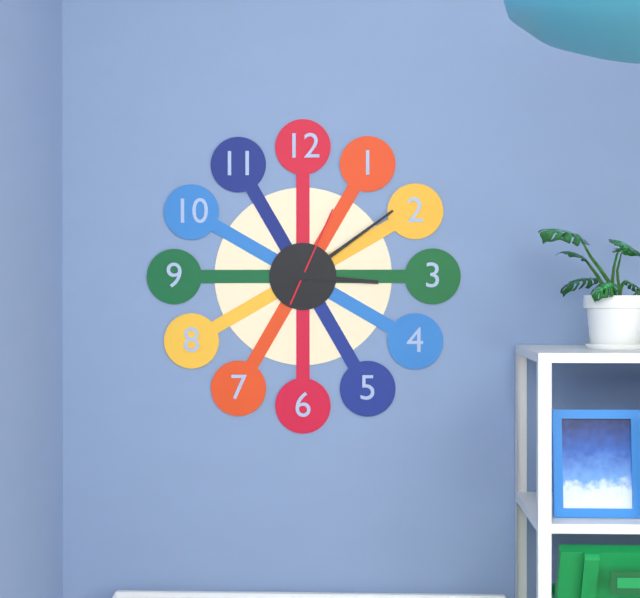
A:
3,09,04
